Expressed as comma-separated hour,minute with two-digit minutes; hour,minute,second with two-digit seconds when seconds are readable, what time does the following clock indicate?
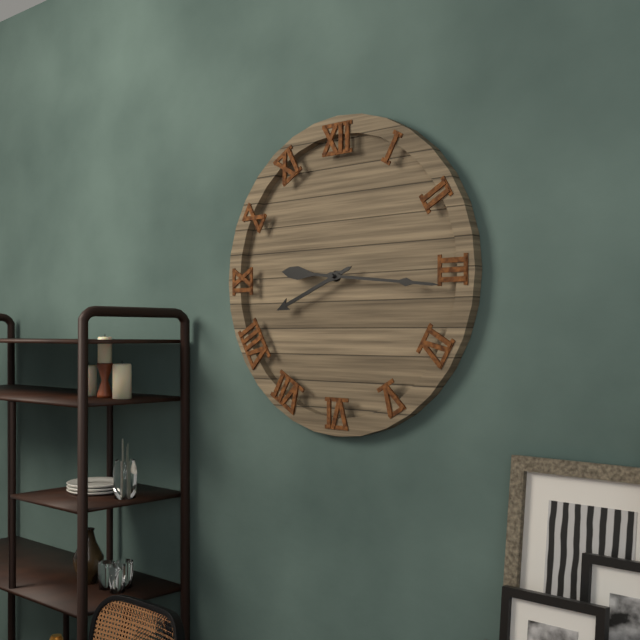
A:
8,16
